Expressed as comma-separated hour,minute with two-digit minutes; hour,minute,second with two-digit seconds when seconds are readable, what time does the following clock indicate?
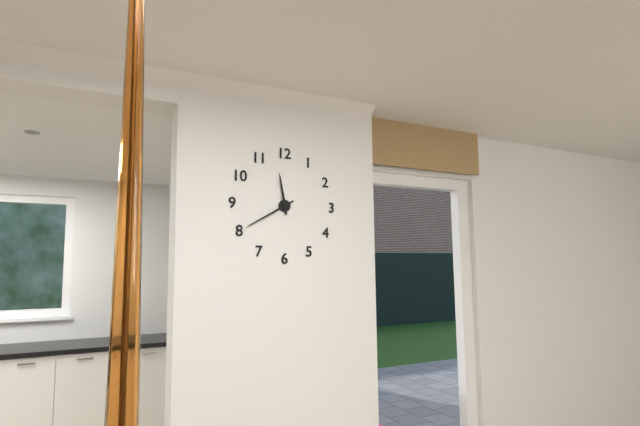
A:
11,40
